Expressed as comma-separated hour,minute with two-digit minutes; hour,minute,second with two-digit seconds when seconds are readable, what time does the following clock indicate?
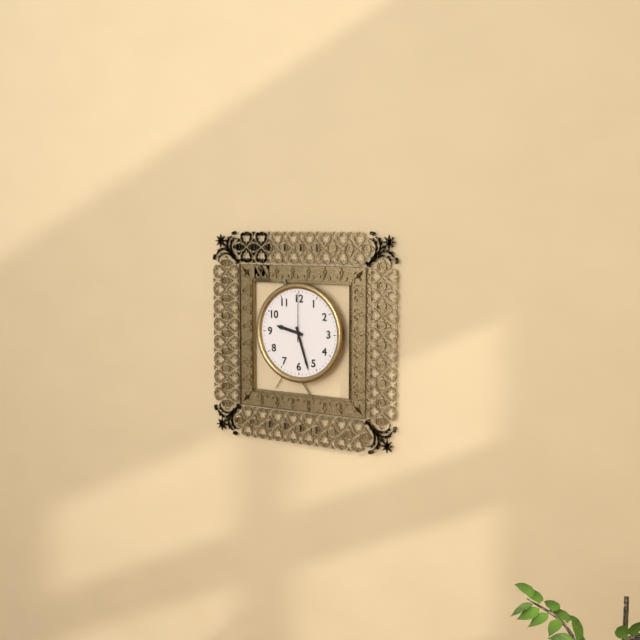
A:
9,27,00
